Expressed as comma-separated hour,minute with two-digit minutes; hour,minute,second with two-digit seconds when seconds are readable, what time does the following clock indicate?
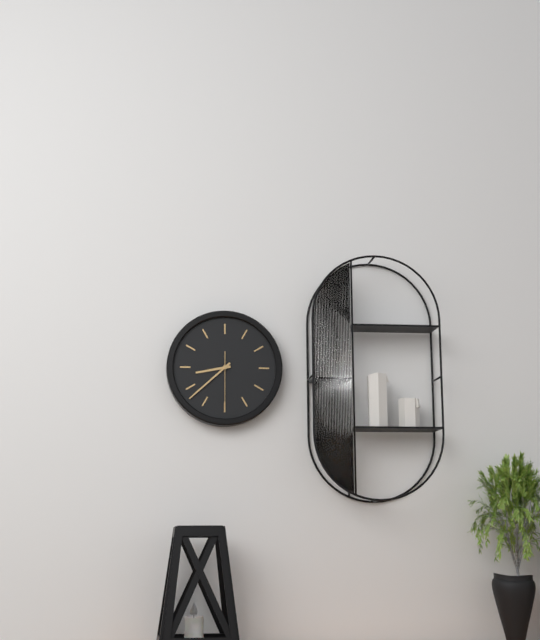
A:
8,38,30
